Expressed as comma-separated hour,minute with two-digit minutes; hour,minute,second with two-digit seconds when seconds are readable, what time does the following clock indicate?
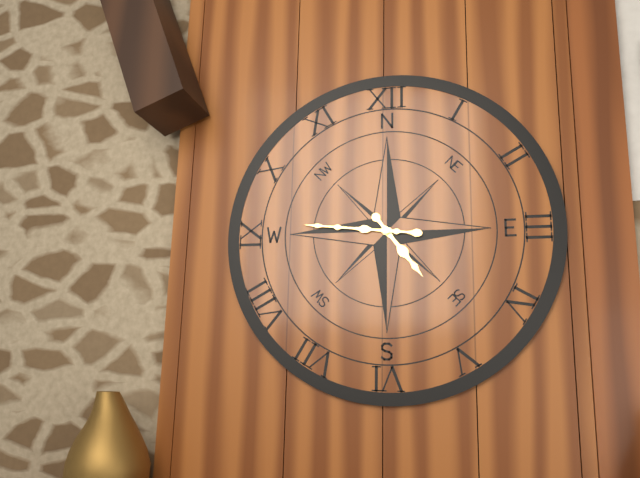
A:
4,46
